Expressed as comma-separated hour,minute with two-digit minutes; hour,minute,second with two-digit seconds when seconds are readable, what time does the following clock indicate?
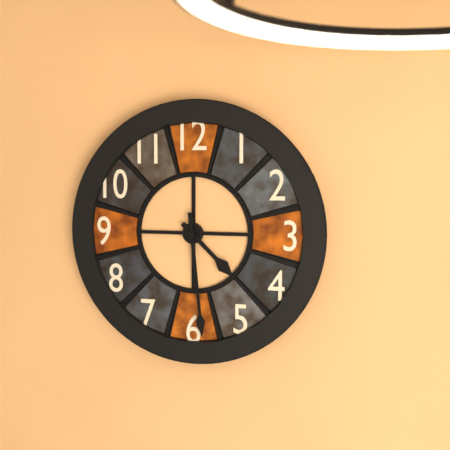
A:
4,29
